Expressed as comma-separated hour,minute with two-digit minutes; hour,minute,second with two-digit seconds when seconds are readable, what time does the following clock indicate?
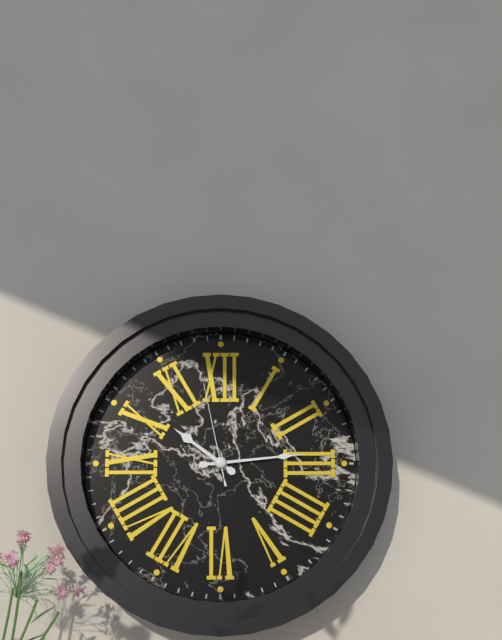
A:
10,14,58
